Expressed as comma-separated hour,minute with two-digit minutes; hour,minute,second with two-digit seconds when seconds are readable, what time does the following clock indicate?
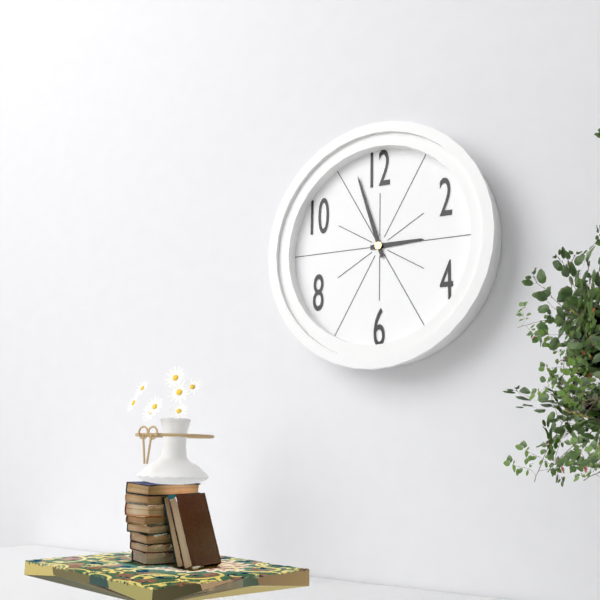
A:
2,57
